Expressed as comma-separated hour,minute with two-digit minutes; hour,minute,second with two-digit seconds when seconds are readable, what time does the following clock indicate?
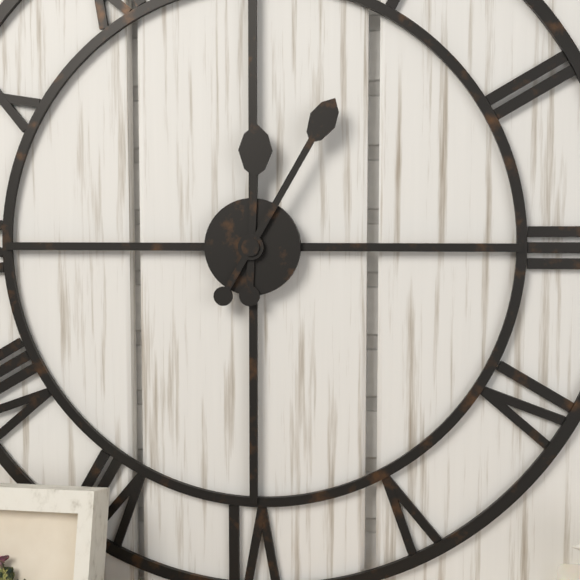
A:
12,05
